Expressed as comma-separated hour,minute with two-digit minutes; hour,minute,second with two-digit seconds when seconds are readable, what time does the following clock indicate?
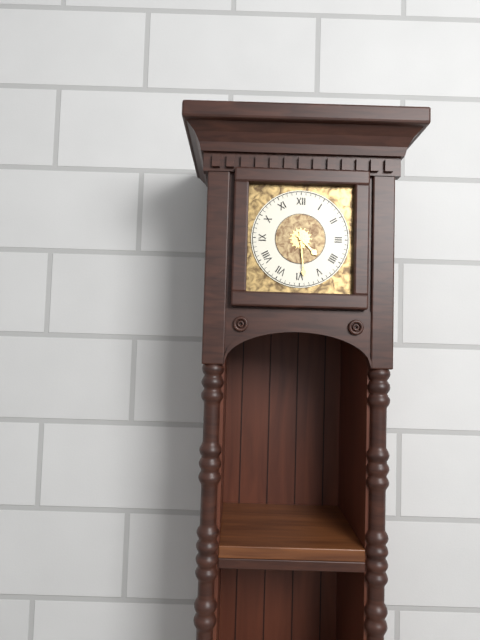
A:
4,29
